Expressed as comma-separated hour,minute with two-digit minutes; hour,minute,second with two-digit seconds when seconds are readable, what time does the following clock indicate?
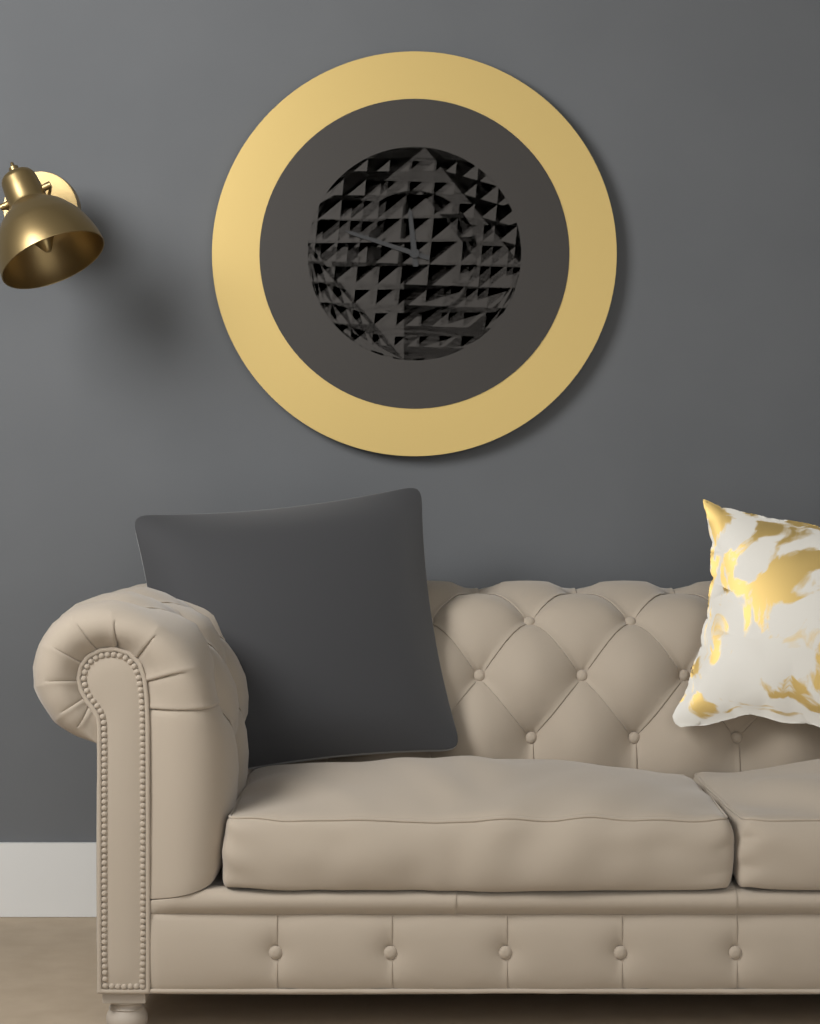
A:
11,48
